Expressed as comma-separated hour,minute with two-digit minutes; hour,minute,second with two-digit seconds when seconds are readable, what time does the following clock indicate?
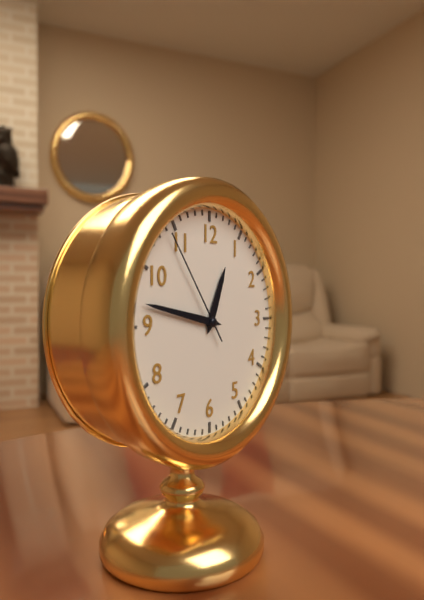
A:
12,47,54
